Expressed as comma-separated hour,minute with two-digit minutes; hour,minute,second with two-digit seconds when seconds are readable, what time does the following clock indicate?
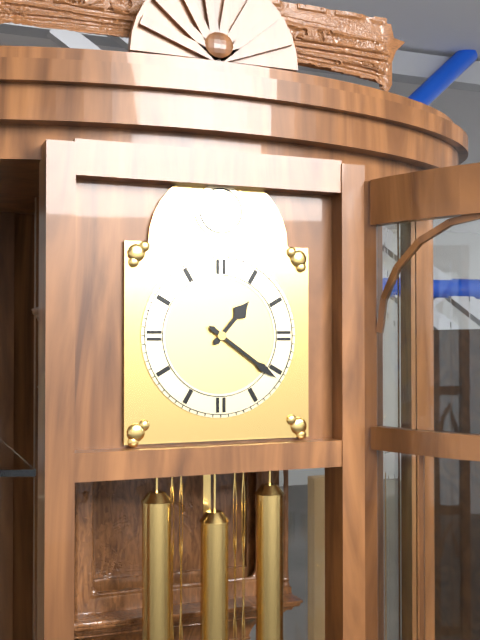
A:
1,21
